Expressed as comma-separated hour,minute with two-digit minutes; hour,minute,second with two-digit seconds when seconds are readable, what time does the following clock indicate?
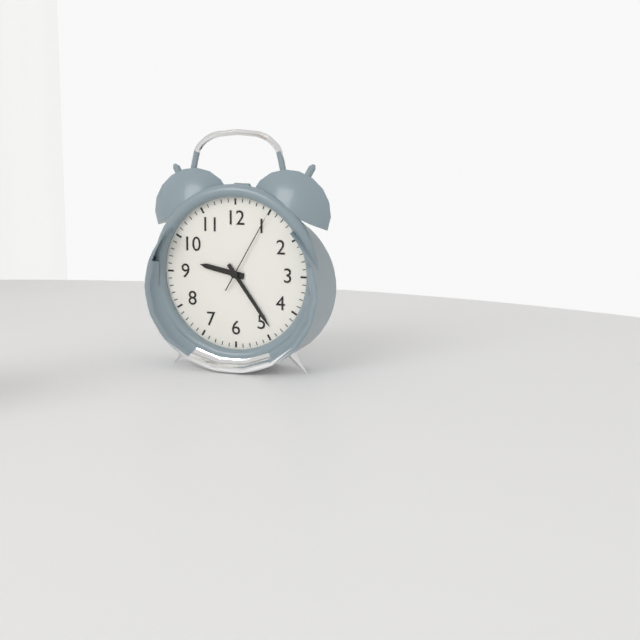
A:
9,24,05
